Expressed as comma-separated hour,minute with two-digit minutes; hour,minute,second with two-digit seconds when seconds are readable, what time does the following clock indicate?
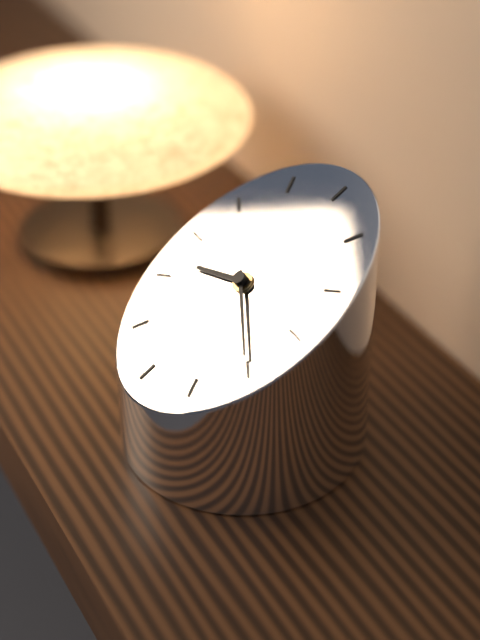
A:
8,20
